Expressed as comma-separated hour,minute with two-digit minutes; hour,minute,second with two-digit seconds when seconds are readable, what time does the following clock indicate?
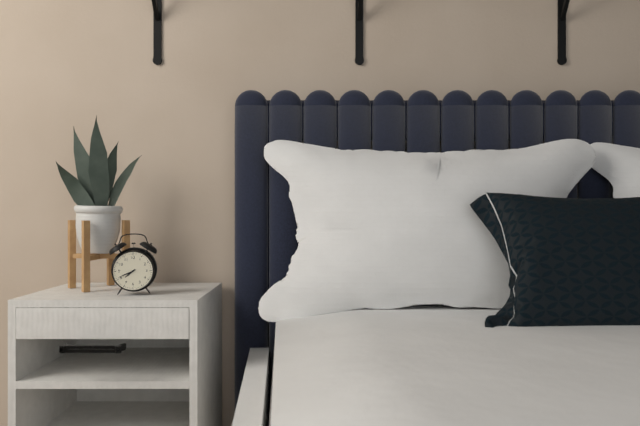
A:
7,41
